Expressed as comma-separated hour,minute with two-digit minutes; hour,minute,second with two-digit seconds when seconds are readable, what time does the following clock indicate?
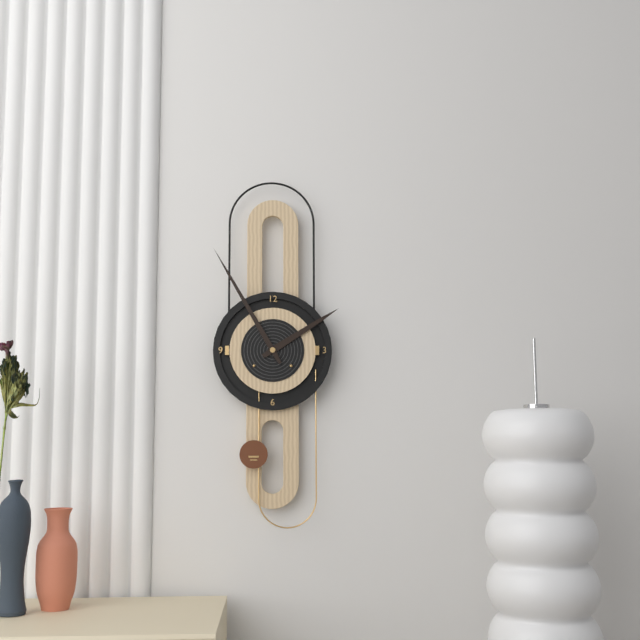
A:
1,55
